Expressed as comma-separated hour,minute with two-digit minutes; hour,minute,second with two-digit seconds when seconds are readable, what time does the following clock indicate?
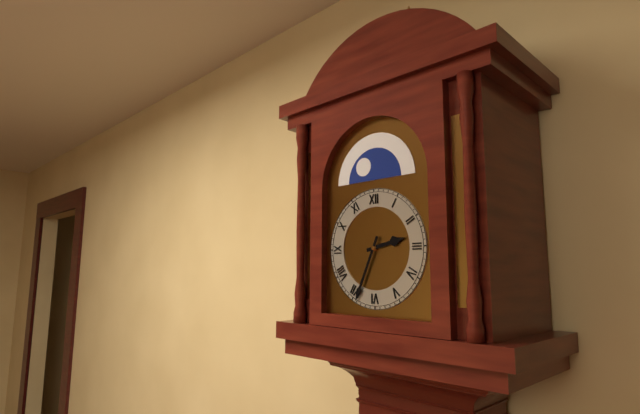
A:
2,34
